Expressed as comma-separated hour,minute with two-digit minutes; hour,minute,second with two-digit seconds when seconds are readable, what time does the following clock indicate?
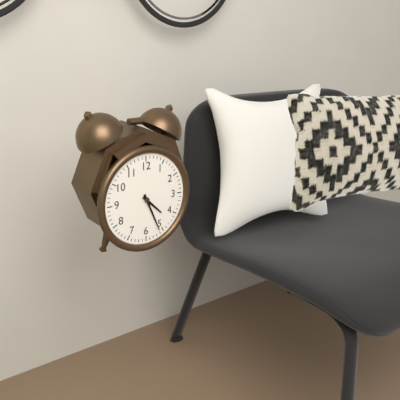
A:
4,26
